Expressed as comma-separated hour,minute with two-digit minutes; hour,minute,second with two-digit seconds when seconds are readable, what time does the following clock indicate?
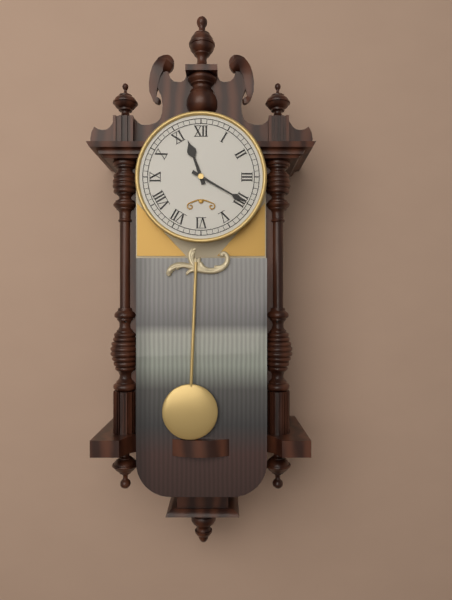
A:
11,20
